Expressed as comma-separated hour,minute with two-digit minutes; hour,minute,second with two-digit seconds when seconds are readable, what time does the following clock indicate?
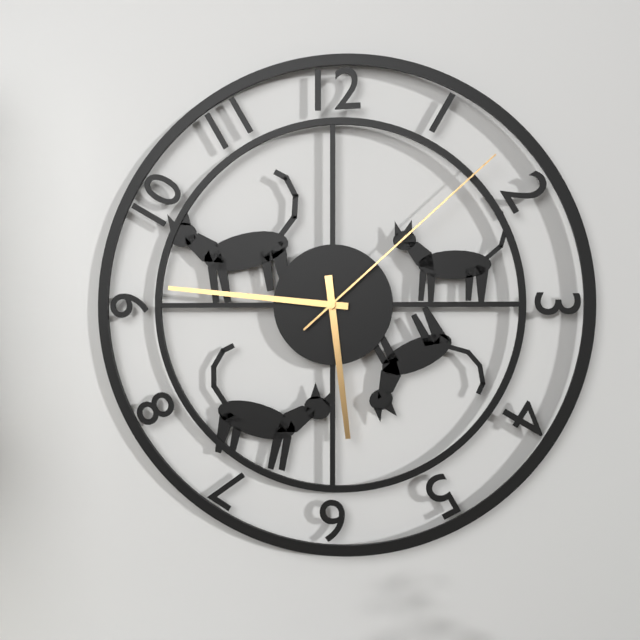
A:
5,46,08
